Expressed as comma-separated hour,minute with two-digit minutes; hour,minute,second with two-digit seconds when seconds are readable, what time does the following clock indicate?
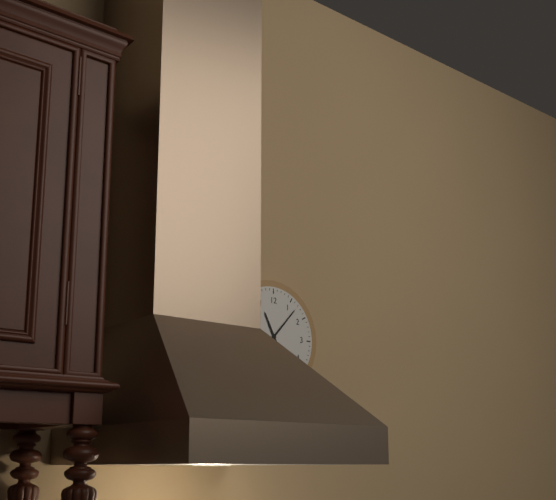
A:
11,07
